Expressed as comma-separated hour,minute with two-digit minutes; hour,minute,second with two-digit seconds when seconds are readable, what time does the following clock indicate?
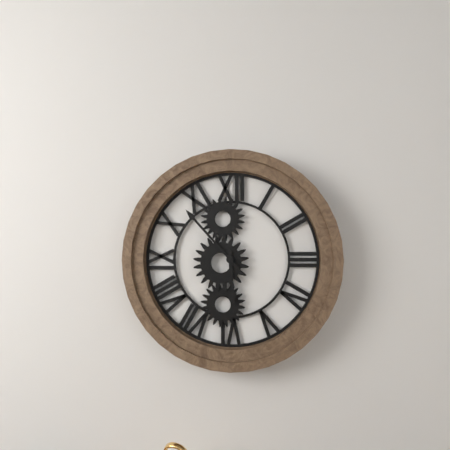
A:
5,53
